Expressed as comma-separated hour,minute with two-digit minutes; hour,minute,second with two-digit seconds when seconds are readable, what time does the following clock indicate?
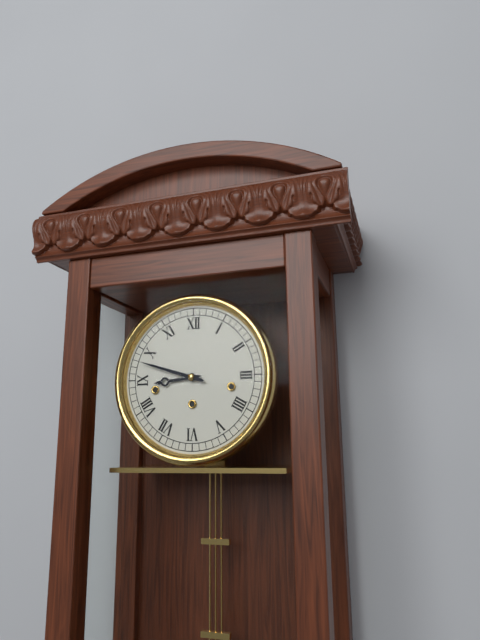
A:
8,48
